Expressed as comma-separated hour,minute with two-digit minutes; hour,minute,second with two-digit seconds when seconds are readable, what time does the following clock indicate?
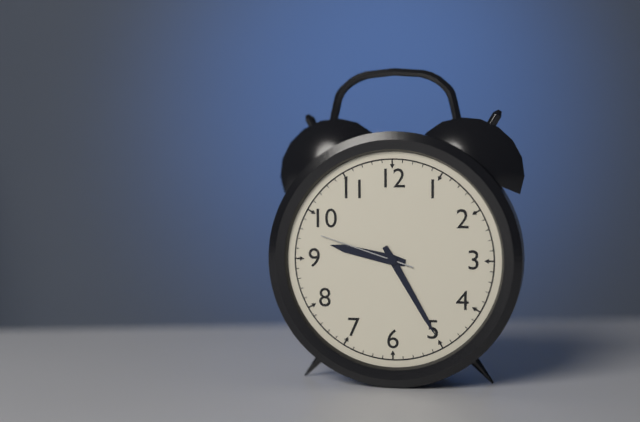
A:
9,25,48
